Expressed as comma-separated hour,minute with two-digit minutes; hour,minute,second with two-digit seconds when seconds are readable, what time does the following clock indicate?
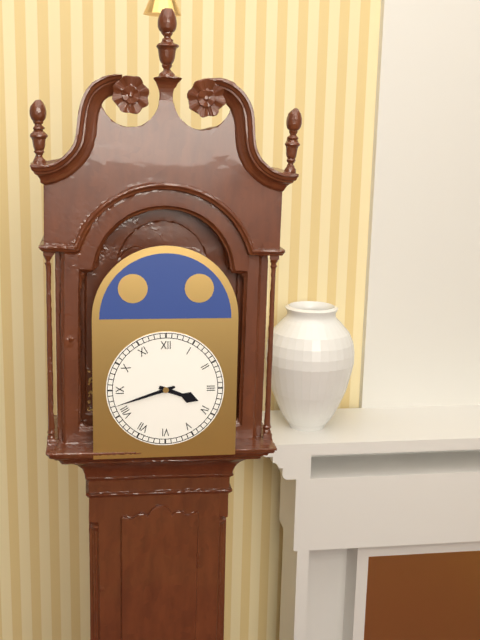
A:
3,42
